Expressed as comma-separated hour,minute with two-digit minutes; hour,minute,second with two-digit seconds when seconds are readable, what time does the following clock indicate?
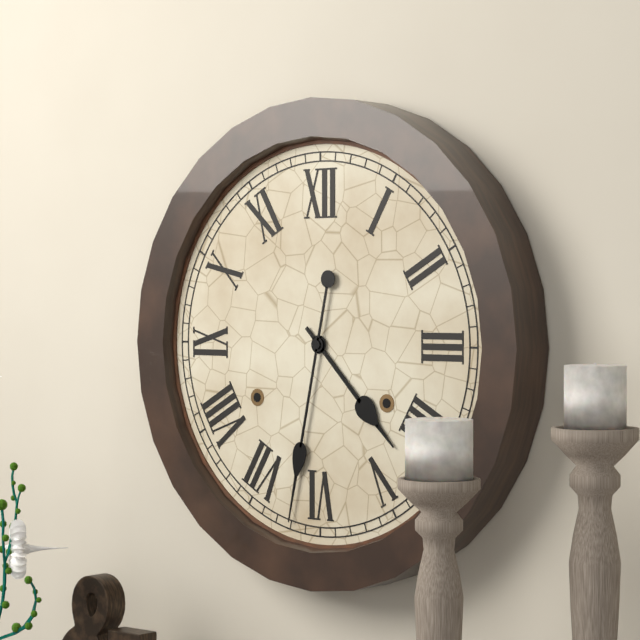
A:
4,32
